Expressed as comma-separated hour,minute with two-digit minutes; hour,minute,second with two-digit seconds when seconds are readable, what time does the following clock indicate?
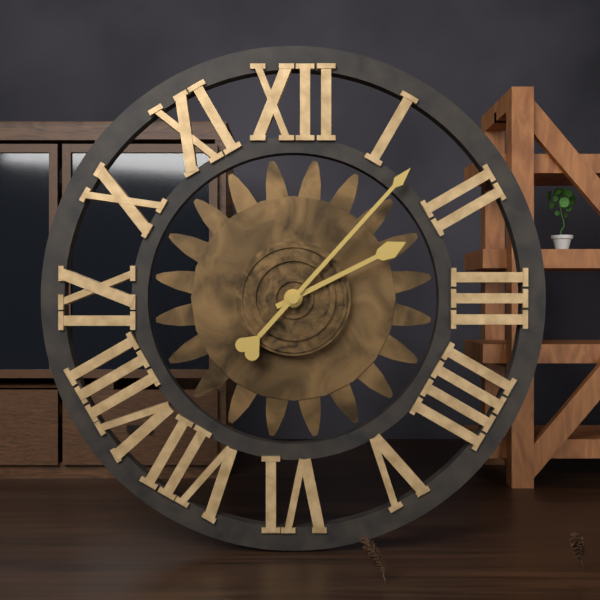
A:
2,07
